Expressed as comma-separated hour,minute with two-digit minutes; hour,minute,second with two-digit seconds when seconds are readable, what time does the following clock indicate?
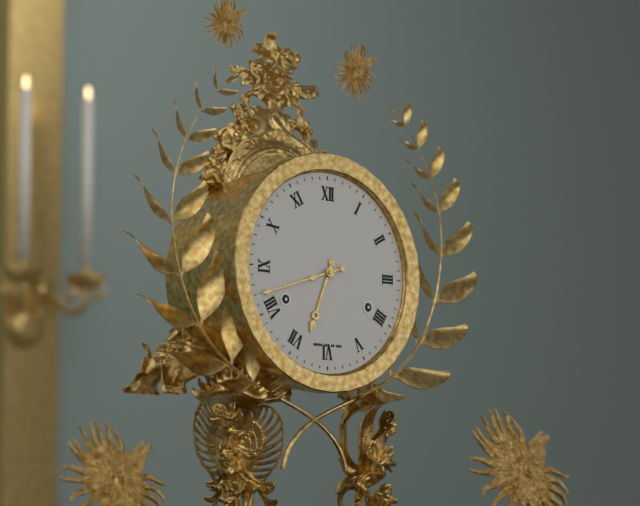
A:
6,42
